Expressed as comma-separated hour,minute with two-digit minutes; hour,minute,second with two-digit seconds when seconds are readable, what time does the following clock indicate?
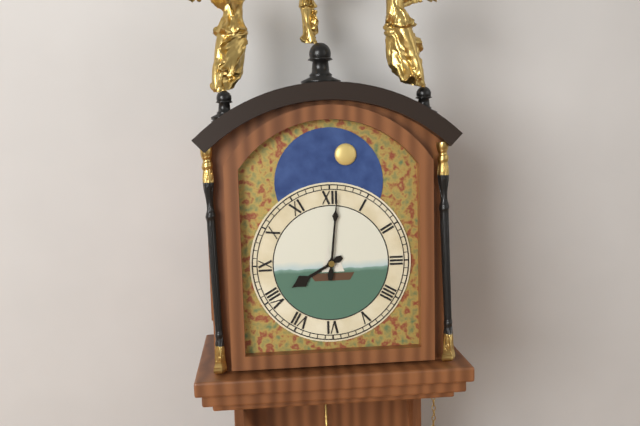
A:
8,01
